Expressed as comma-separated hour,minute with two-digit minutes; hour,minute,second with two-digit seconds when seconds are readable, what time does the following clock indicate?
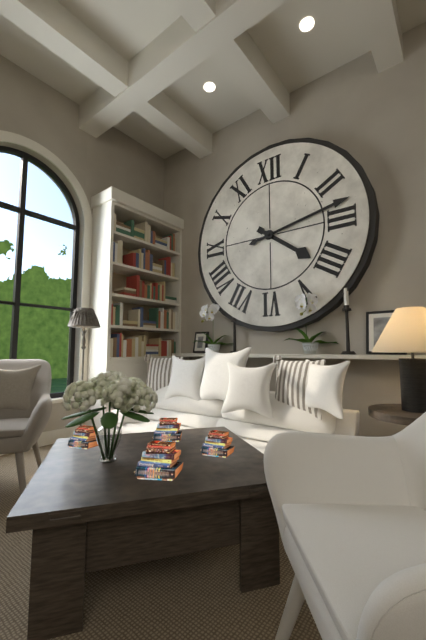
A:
4,13
